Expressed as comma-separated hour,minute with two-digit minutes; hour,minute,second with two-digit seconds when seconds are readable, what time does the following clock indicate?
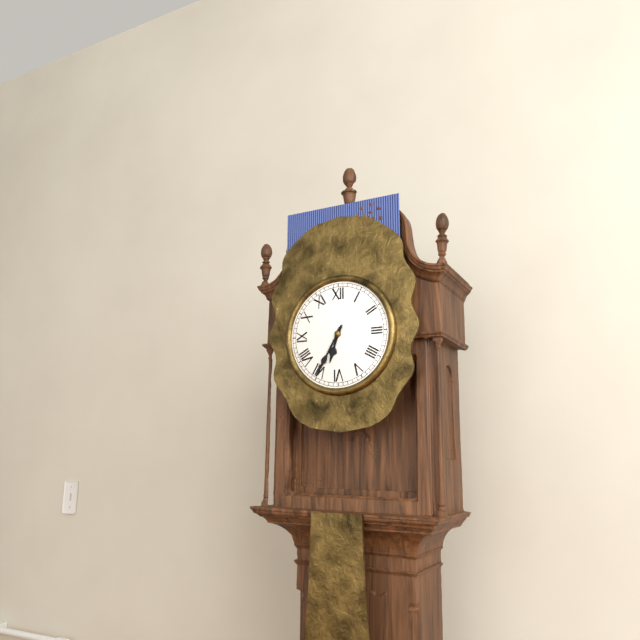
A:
6,35
